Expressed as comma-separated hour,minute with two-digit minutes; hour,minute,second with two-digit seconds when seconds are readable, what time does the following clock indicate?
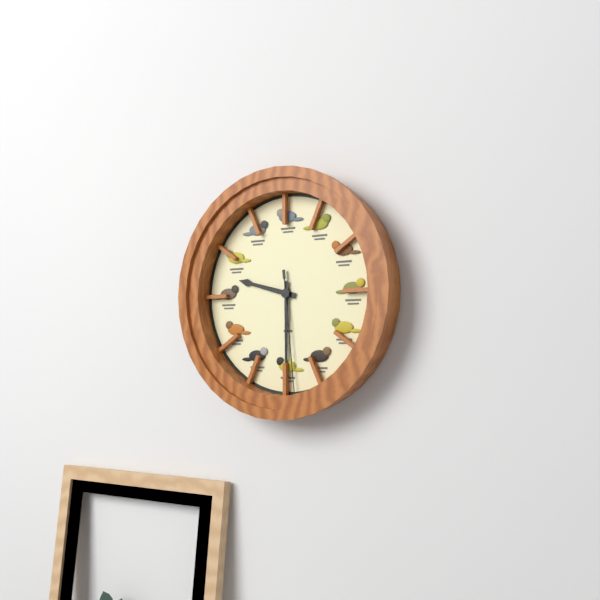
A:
9,30,29
